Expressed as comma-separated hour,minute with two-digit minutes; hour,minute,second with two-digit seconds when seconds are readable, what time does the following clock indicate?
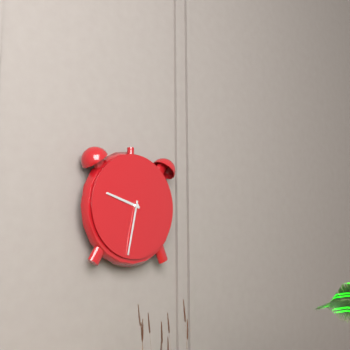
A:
9,32
